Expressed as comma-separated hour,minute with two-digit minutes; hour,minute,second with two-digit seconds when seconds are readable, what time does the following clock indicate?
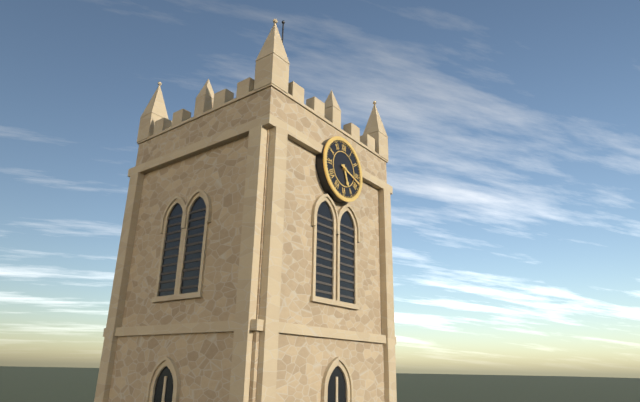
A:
5,18
